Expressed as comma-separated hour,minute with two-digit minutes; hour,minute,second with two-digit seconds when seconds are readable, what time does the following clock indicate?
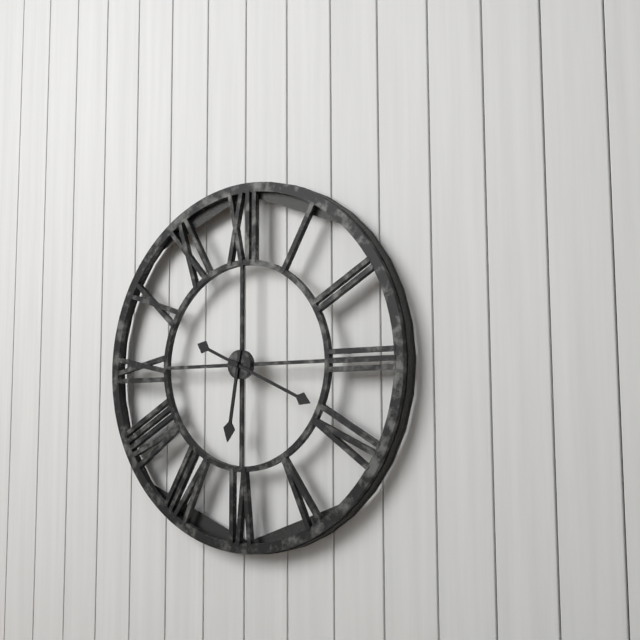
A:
6,19
